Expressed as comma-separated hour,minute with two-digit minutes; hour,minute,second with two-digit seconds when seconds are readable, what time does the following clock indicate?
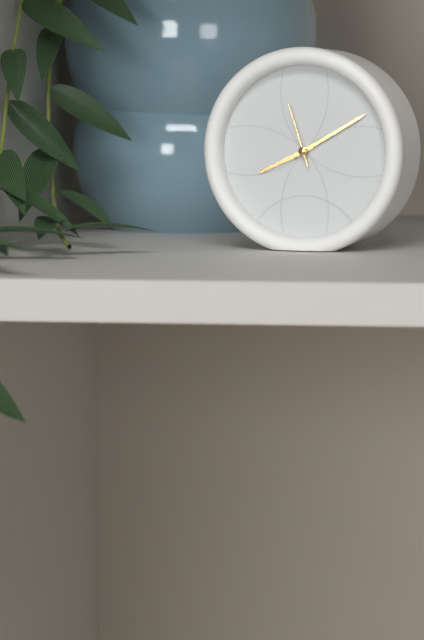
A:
8,10,57
